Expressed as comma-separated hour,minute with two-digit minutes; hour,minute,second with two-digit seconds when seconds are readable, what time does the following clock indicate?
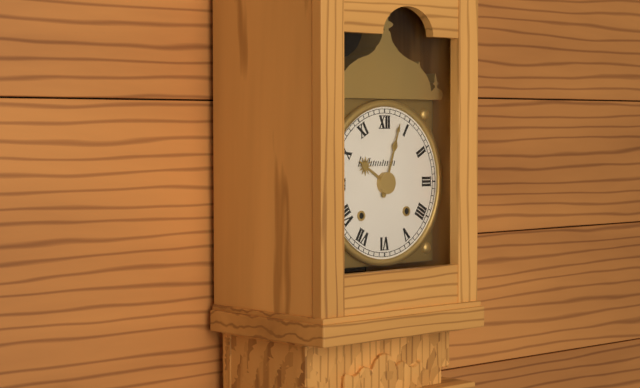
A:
10,03
